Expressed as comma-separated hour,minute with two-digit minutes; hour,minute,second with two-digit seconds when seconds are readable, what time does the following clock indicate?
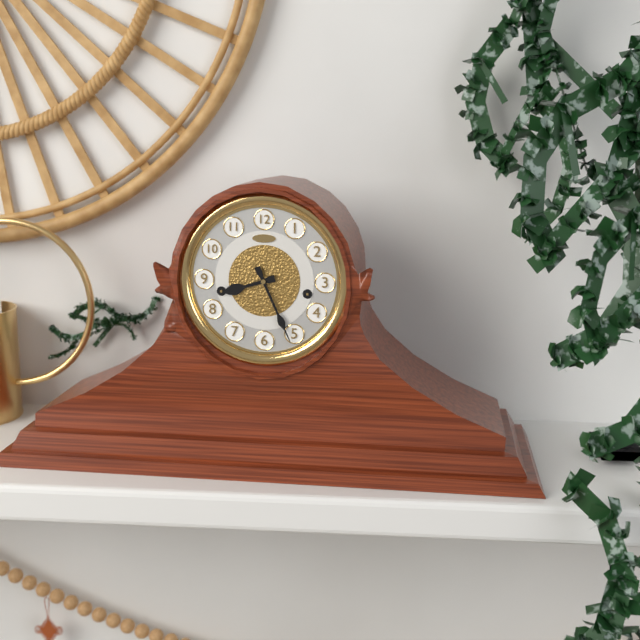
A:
8,26
